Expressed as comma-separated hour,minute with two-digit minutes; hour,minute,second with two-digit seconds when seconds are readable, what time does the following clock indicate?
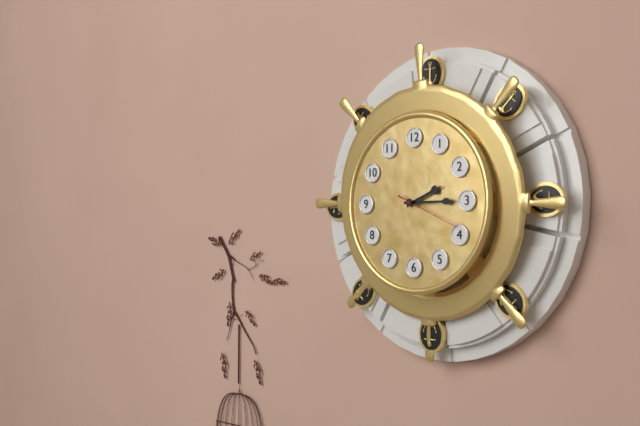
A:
2,15,19
